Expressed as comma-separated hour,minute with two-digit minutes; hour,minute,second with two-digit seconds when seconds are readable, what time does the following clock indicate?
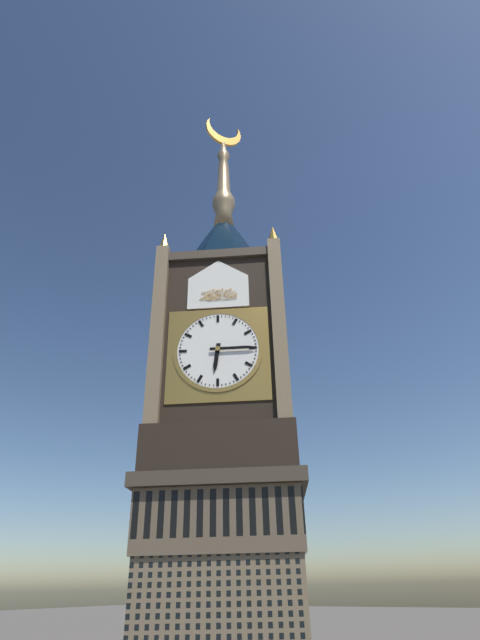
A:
6,15
